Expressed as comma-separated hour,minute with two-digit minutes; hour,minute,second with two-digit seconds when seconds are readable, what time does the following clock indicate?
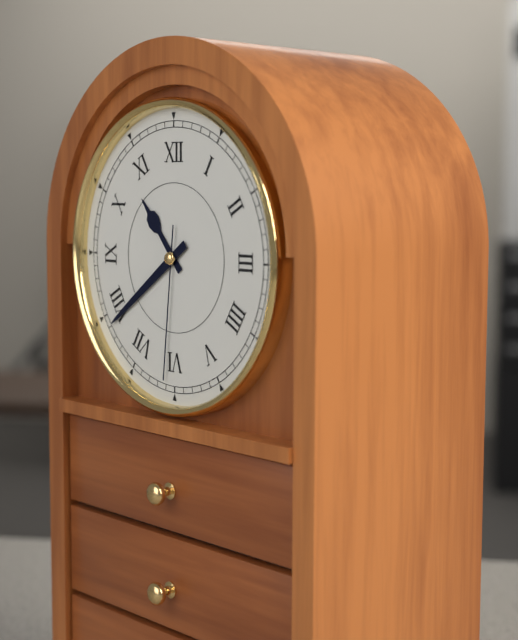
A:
10,39,31
